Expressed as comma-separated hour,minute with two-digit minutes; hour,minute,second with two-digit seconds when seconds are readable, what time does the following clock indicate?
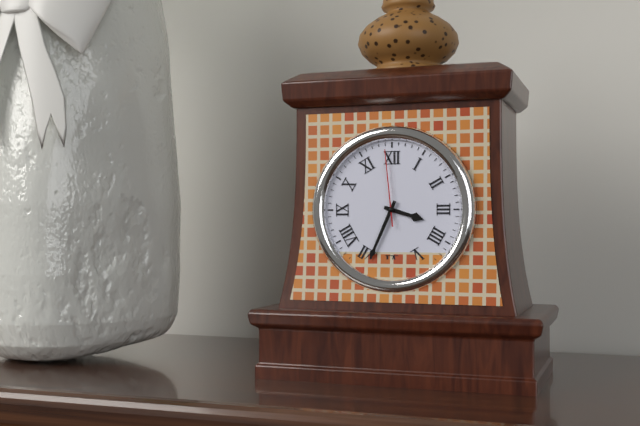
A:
3,34,59
